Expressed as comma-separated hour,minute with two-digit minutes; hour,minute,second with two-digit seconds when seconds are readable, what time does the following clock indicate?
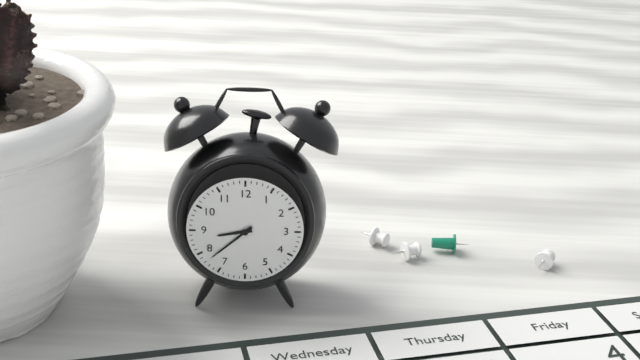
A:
8,38
